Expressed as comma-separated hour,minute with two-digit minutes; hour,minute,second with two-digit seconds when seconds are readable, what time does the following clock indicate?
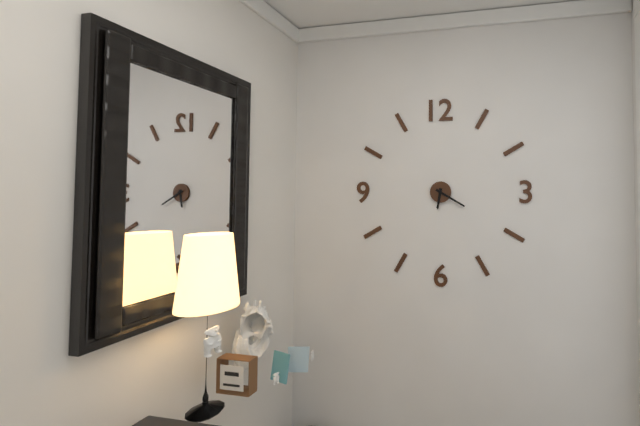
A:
6,20
